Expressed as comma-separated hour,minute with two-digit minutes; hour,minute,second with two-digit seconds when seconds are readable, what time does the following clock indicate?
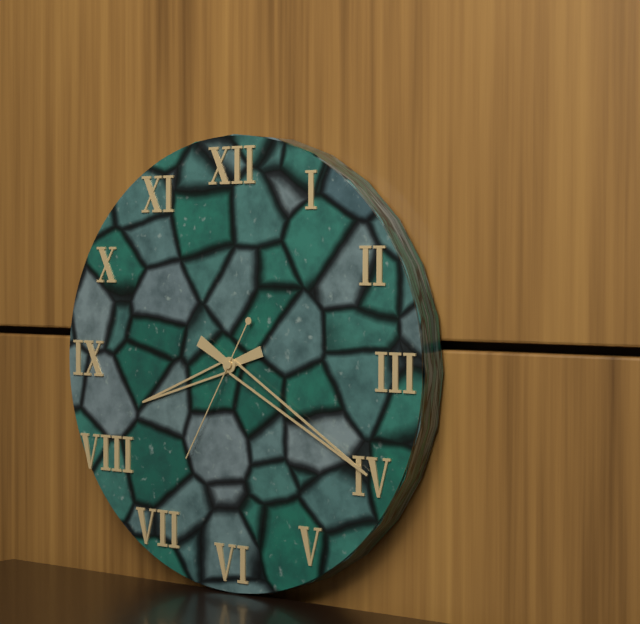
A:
8,20,35
